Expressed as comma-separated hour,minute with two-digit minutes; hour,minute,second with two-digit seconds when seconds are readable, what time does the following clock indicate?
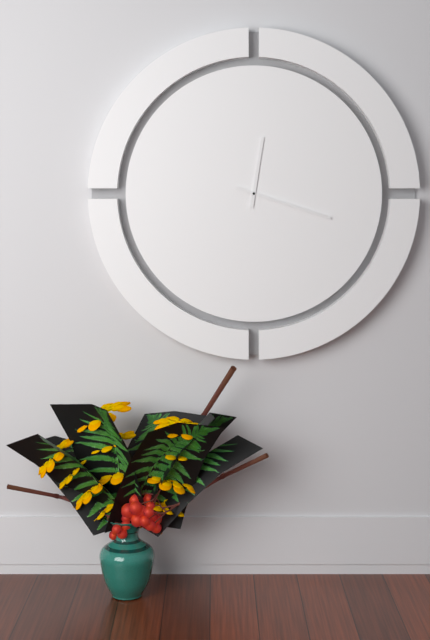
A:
12,18
